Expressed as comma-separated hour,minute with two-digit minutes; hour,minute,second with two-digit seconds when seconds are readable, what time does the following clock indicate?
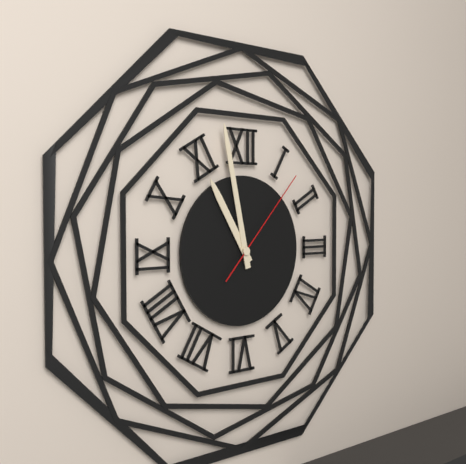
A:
10,58,07
